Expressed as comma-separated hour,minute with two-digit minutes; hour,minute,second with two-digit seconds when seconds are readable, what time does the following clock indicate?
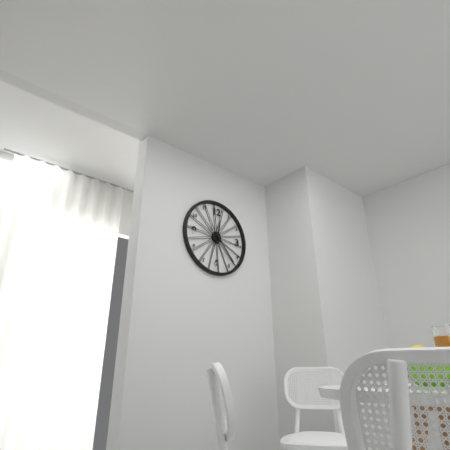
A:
12,23
